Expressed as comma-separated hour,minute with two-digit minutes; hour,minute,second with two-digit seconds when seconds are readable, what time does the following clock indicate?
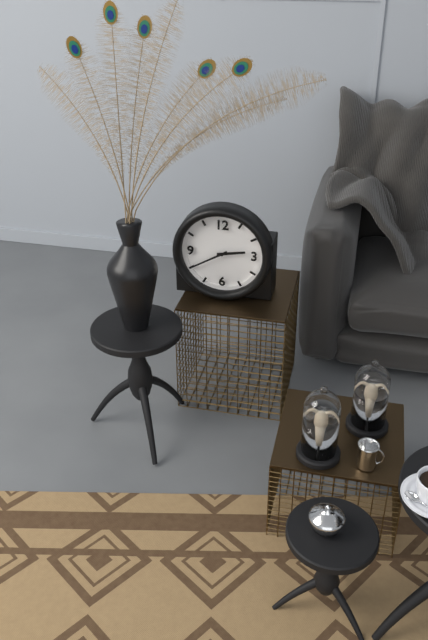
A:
2,40
